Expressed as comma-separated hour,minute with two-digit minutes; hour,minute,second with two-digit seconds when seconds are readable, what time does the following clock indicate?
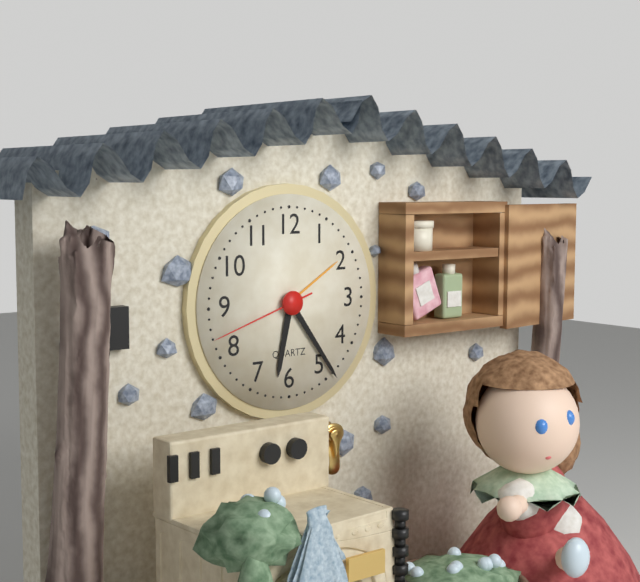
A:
6,24,42
